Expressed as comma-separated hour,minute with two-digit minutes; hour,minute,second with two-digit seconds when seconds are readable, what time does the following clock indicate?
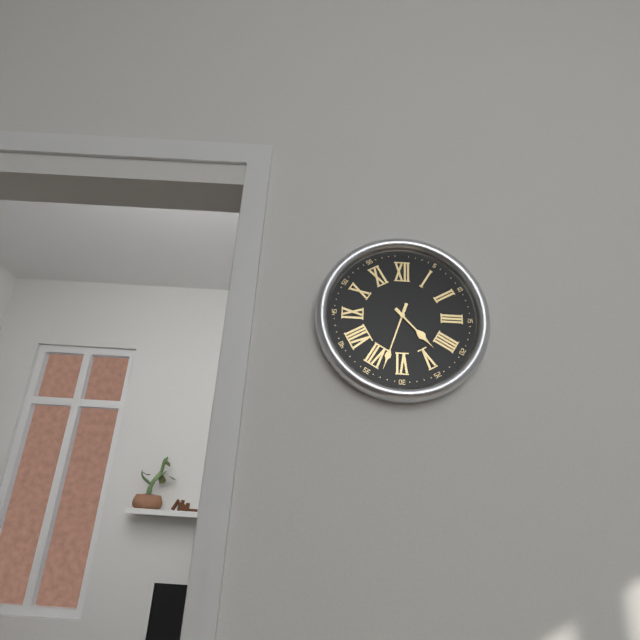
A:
4,33
